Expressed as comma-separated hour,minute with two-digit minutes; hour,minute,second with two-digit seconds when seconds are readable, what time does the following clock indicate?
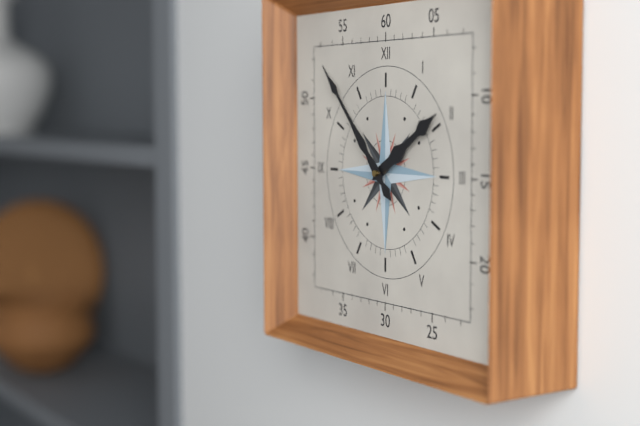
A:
1,53
